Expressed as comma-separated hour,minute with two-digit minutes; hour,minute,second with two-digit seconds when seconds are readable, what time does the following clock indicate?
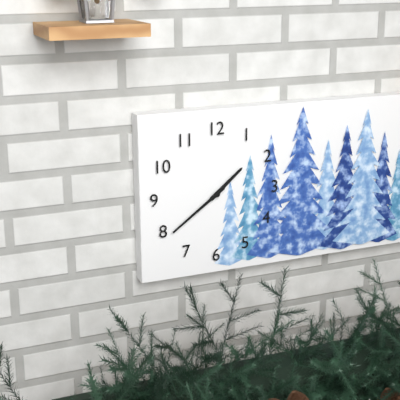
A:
1,39
